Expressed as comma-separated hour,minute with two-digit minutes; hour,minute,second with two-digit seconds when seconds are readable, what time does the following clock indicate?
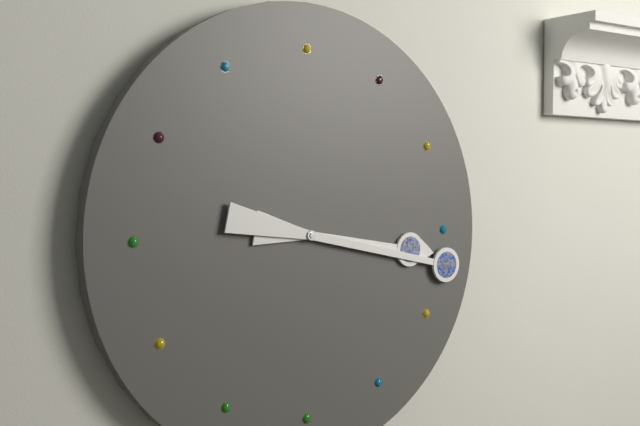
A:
3,17
